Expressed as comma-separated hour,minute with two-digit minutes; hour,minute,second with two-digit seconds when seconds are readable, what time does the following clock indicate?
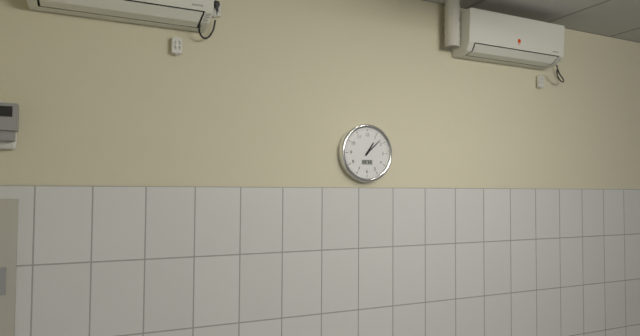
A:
1,08
